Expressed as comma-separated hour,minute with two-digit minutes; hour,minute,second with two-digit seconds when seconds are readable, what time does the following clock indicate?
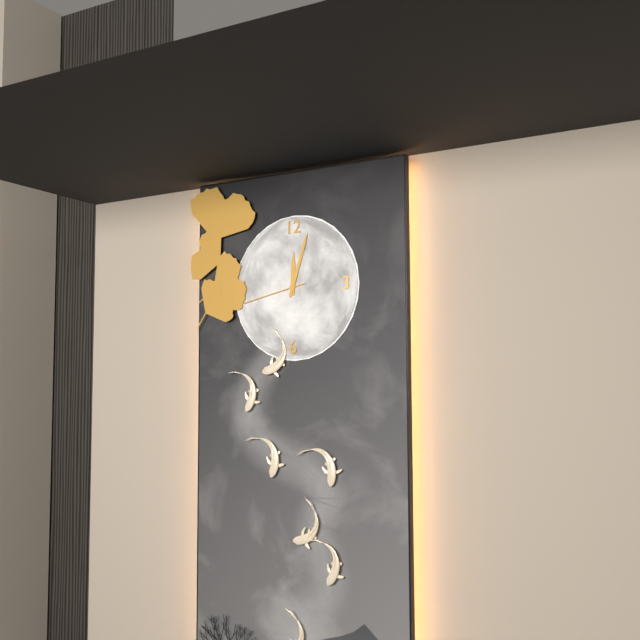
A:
12,03,43
